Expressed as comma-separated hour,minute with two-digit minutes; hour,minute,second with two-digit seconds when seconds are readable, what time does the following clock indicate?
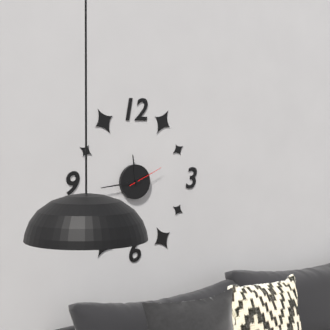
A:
11,44
